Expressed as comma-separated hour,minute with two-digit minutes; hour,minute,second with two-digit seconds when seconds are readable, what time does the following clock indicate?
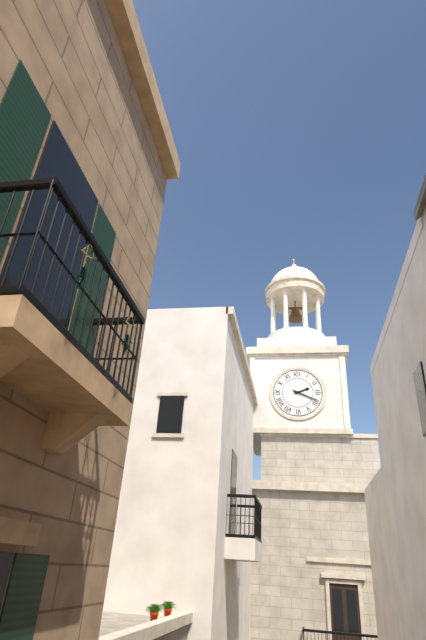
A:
2,19
